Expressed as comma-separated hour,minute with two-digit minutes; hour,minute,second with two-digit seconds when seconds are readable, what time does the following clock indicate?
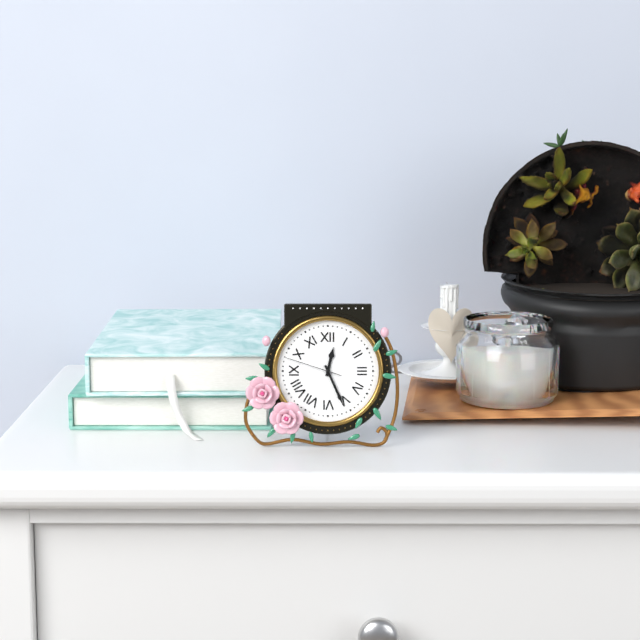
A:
12,26,48
